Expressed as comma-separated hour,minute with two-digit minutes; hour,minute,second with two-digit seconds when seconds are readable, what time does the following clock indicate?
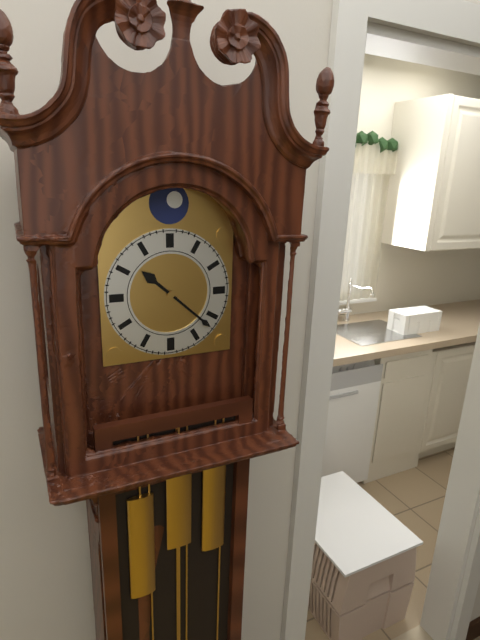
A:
10,22
